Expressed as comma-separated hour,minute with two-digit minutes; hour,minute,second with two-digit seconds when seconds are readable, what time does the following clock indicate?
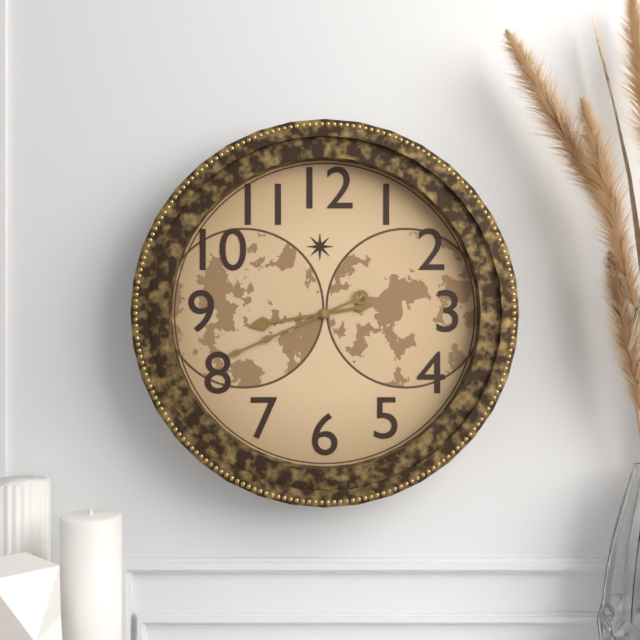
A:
8,41
